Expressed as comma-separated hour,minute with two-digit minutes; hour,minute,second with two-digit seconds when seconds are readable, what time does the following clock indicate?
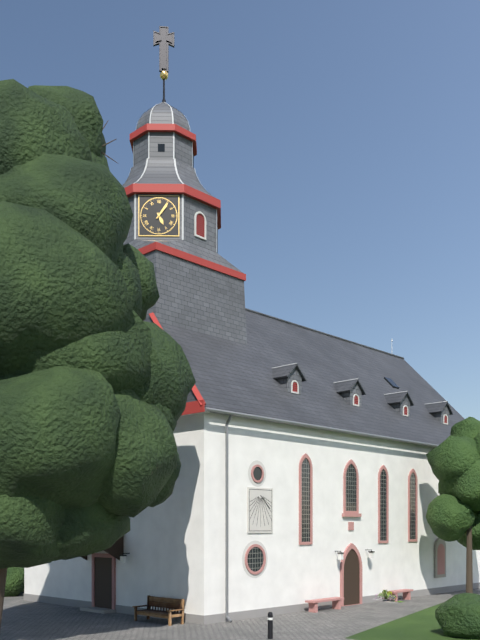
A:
5,06
